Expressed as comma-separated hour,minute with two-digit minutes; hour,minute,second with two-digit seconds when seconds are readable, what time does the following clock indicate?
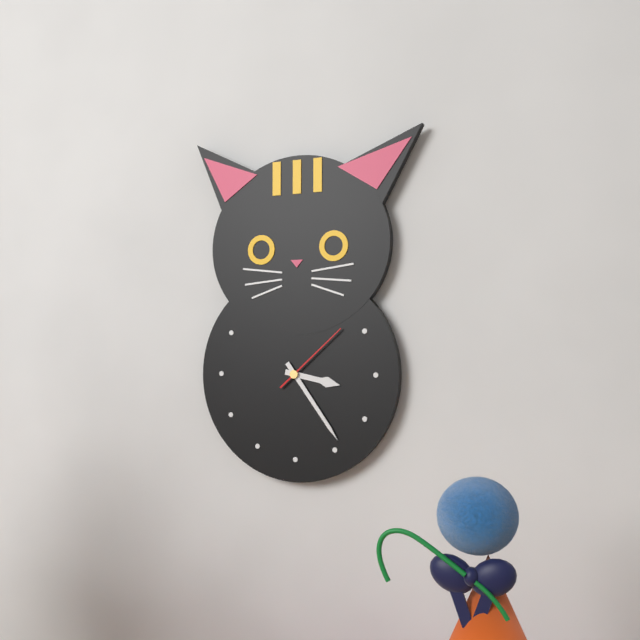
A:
3,24,08
